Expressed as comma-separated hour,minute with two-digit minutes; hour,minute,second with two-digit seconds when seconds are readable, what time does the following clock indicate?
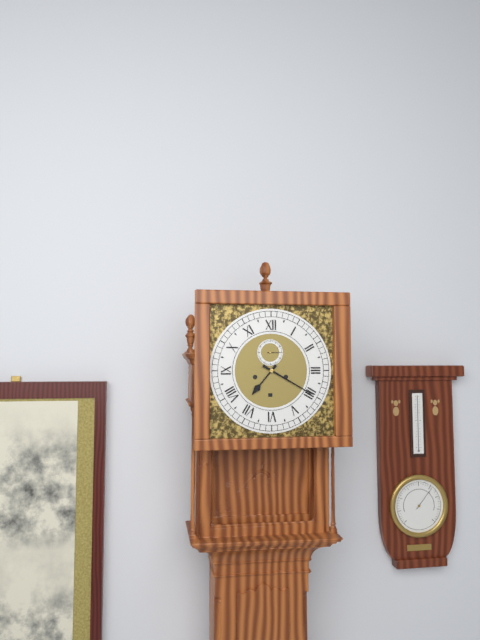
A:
7,20
